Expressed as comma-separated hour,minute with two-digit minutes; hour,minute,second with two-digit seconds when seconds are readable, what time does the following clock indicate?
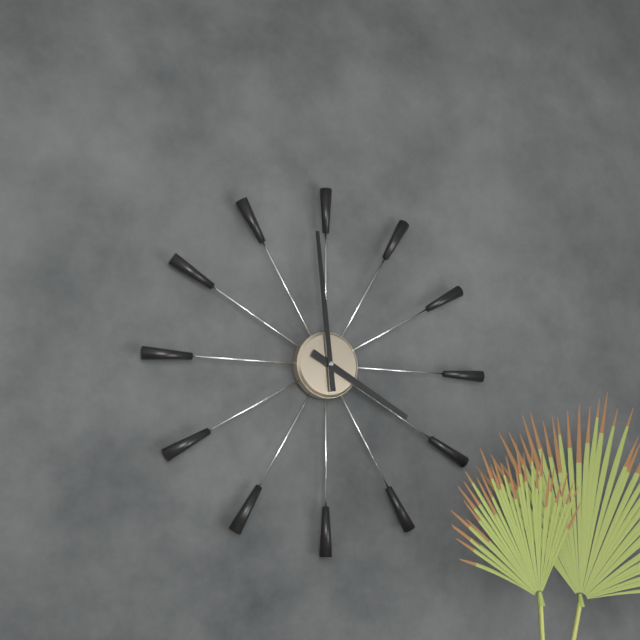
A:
3,59
